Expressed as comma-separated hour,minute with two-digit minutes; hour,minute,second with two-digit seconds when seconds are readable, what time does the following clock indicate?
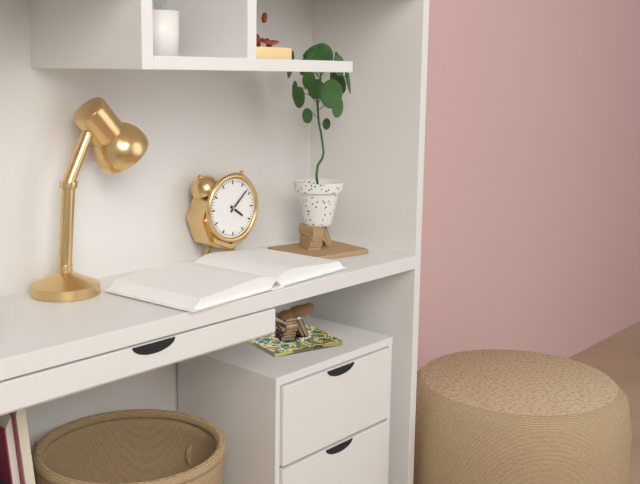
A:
4,08
